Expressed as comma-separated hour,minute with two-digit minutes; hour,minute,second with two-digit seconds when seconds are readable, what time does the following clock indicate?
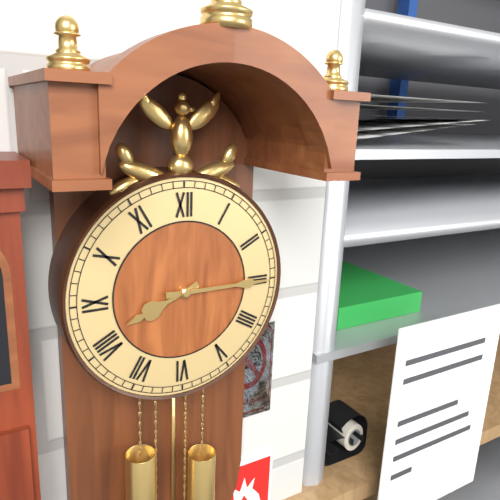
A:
8,15
